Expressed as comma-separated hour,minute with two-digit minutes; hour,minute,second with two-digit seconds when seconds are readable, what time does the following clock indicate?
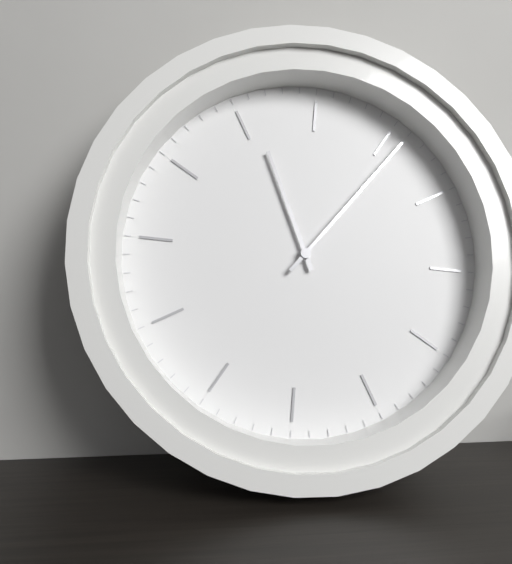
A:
12,11
